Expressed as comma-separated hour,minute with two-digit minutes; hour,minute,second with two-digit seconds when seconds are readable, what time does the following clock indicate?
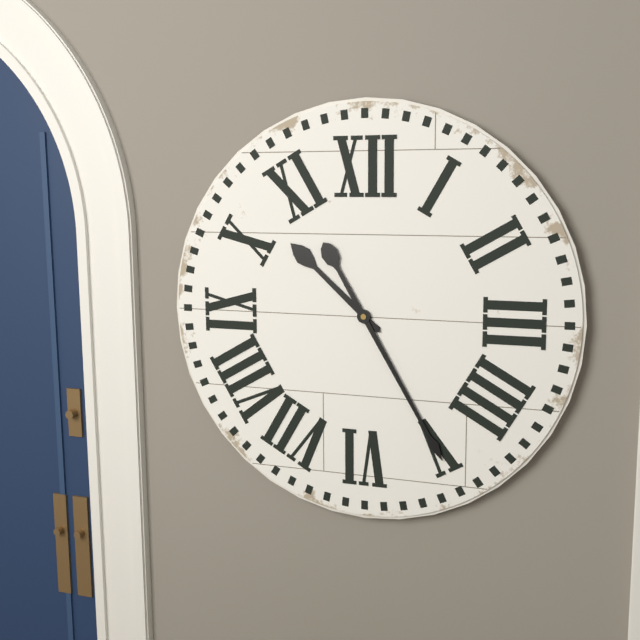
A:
10,25
